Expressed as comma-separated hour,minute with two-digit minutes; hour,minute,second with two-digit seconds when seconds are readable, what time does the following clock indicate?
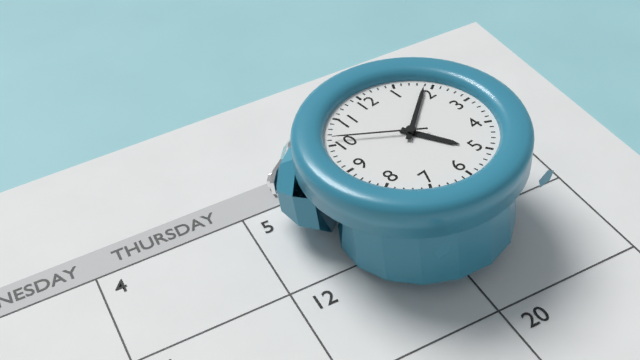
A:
5,09,51
